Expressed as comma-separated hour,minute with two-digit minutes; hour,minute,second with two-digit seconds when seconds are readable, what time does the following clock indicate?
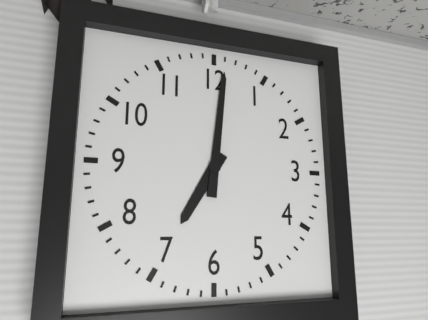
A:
7,01
